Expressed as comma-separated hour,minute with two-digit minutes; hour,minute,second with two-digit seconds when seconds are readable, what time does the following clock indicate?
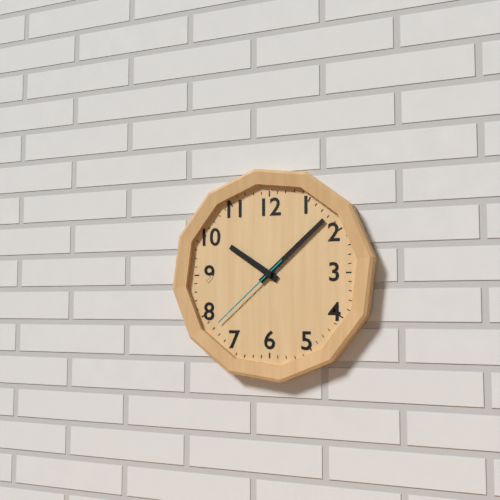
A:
10,08,38
